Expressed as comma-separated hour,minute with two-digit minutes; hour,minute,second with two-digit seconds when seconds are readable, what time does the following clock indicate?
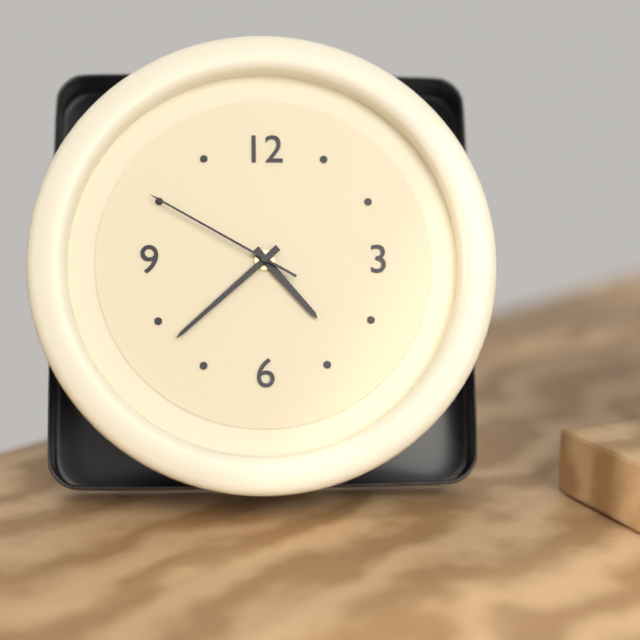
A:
4,38,50
